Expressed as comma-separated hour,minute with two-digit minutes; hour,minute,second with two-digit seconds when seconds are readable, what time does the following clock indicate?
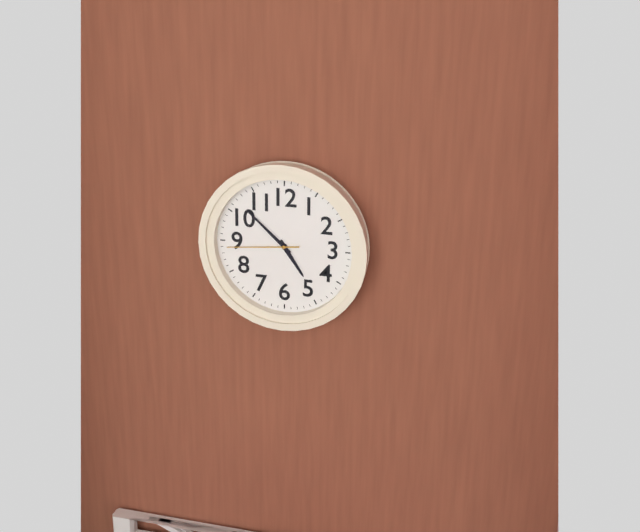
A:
4,52,44
